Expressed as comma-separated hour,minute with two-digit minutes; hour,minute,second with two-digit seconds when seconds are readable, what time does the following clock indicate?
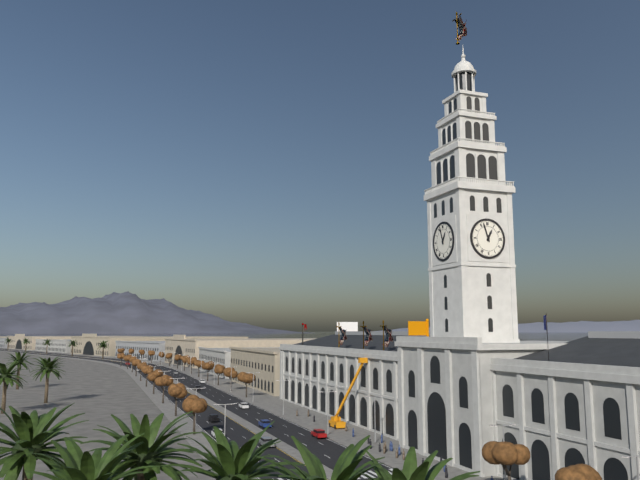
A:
12,57
